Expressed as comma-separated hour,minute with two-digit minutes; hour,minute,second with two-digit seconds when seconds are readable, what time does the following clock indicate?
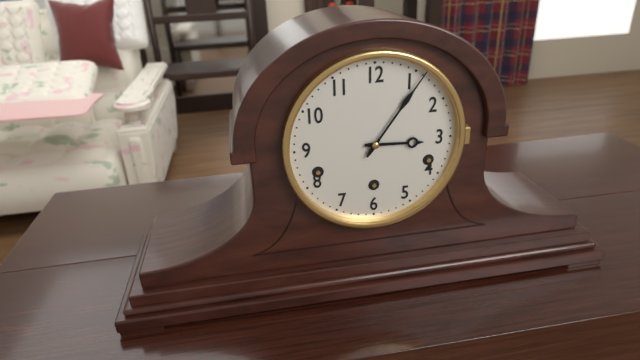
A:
3,06
